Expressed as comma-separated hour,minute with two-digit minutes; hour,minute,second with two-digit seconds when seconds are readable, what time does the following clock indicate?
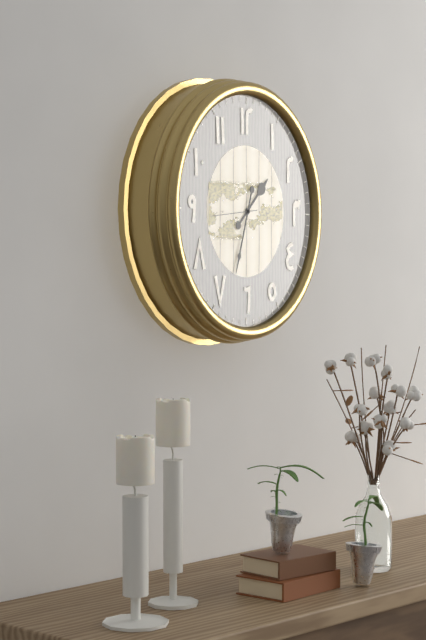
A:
1,33
